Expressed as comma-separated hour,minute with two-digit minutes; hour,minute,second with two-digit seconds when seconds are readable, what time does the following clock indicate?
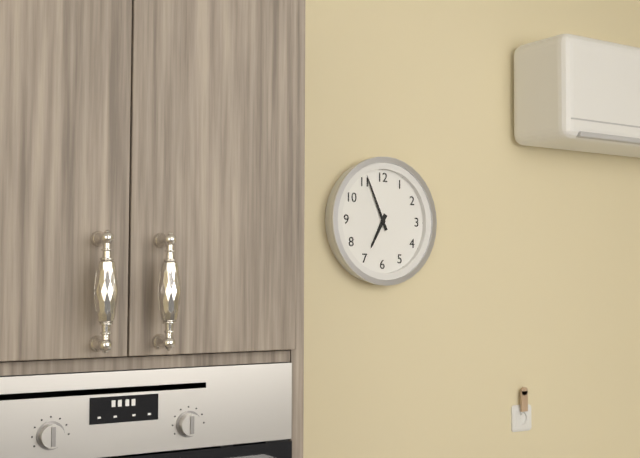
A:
6,56
